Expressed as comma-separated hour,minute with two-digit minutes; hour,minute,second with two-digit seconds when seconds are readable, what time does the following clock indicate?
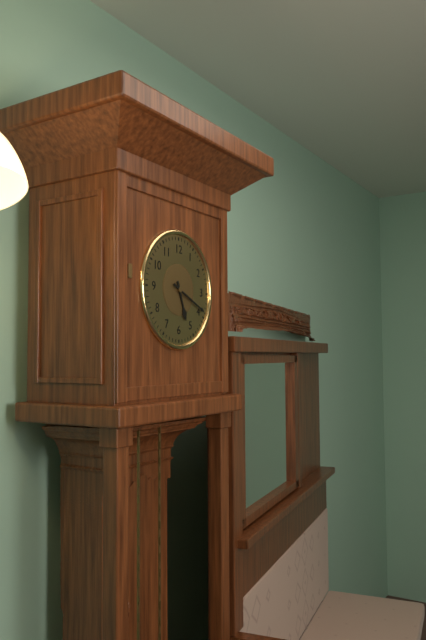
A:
5,19
